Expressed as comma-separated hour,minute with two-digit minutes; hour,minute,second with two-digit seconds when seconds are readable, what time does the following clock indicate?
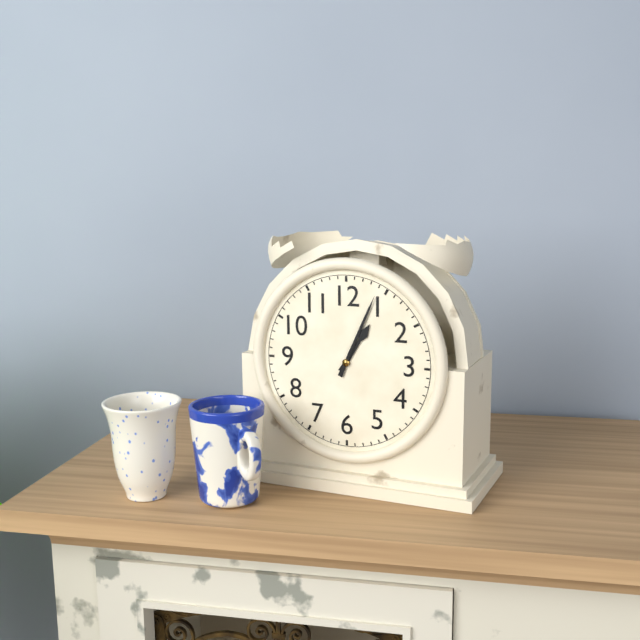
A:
1,04
